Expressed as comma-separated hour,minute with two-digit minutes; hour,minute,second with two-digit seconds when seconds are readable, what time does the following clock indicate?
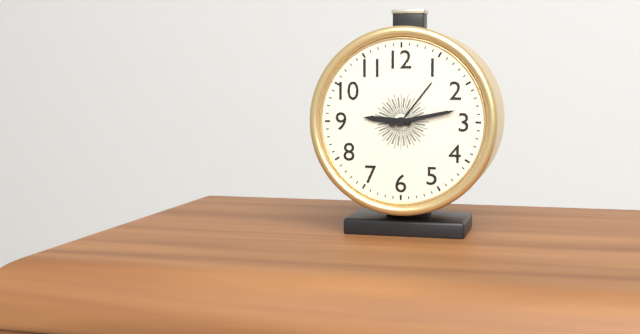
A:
9,13
